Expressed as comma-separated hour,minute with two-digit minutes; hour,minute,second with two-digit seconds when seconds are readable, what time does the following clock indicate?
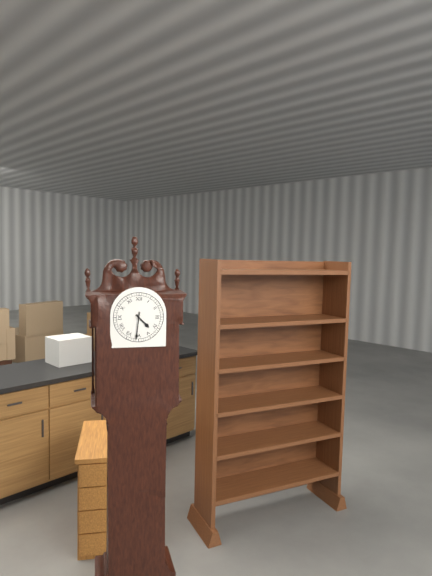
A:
4,31
